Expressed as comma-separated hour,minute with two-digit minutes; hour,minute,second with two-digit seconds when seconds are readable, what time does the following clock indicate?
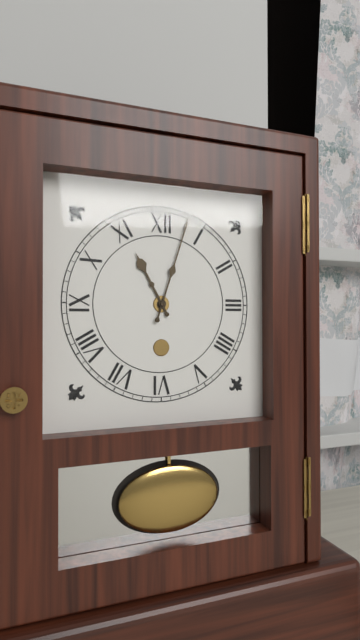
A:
11,03
